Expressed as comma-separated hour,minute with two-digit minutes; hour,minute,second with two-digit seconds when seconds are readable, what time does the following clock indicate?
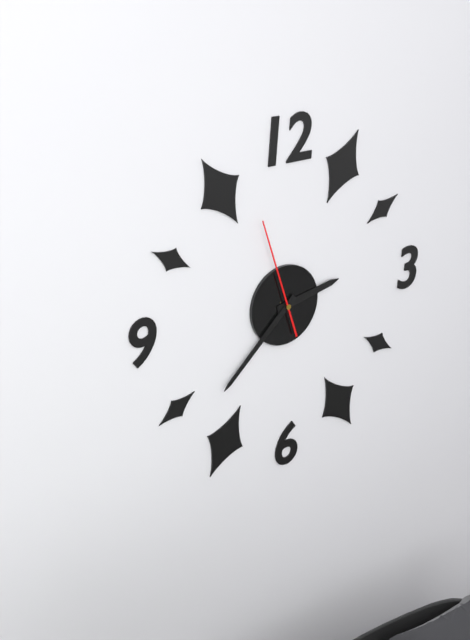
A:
2,38,57
